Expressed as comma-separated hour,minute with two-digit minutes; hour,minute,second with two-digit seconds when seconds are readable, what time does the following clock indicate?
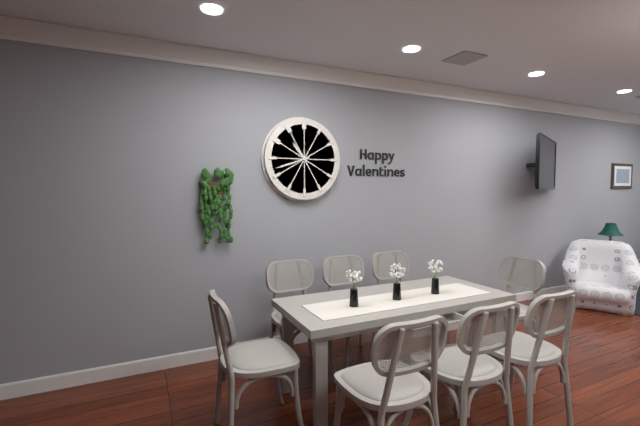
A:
10,42
